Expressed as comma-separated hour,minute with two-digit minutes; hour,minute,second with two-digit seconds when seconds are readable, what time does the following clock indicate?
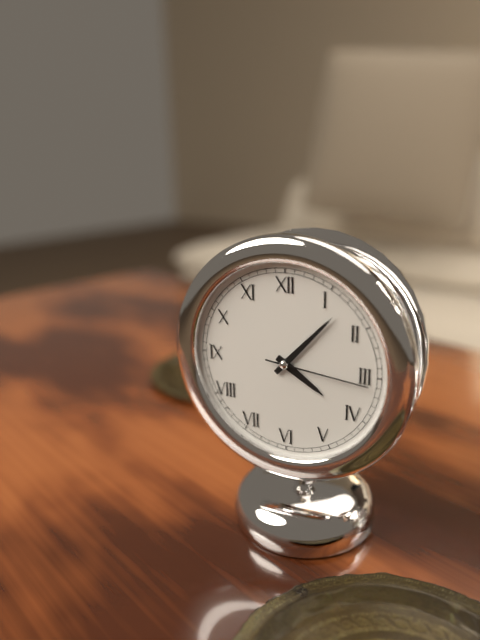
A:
4,07,16
